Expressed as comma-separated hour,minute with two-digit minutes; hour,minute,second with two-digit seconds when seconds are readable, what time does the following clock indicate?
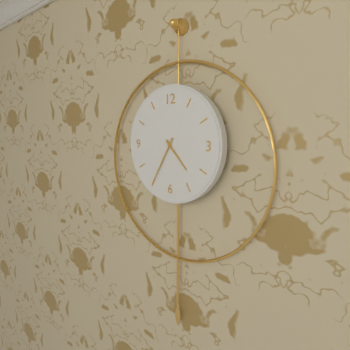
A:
4,35
